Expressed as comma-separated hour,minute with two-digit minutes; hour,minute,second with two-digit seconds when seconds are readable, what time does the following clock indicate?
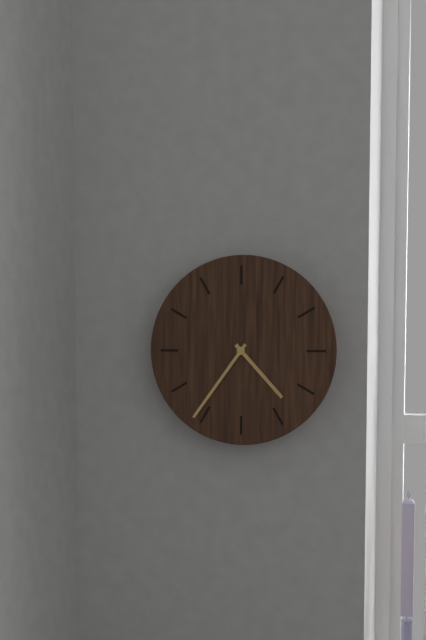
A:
4,36
